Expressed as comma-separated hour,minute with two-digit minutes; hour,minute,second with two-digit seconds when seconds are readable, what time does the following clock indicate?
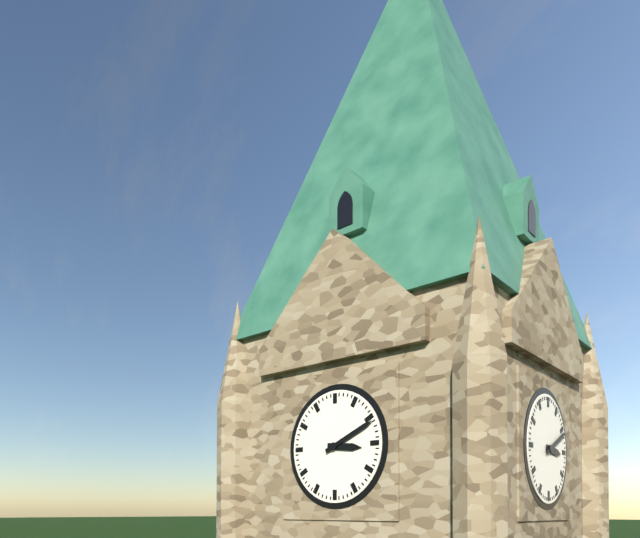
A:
3,11
